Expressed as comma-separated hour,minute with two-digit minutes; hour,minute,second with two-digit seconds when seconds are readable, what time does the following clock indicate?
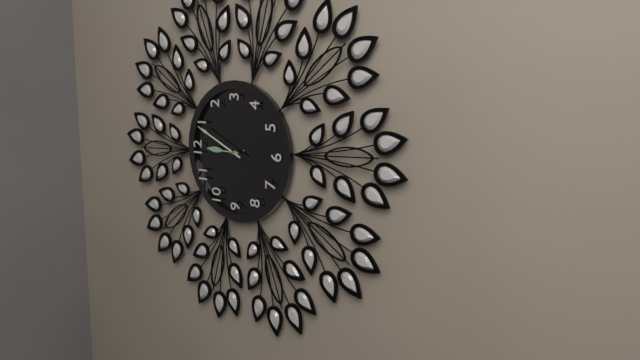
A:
12,04
